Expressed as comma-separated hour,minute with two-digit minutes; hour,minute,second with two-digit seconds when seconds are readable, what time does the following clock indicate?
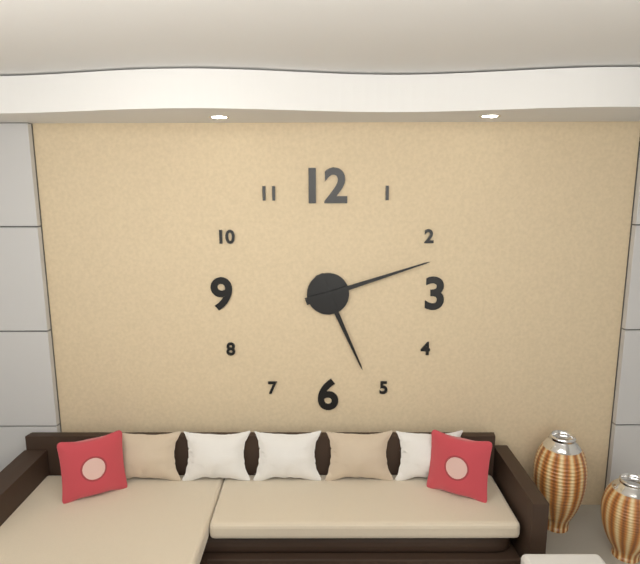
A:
5,12
